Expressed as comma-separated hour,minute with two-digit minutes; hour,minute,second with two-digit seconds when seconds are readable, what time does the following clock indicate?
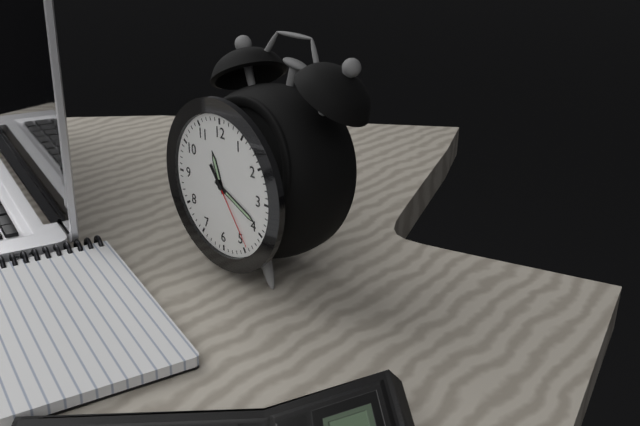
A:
11,19,24
